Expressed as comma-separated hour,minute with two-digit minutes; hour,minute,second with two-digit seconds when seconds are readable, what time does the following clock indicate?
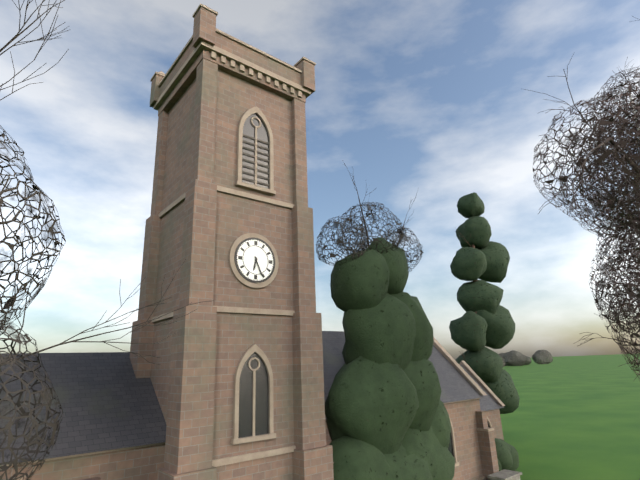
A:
6,26
